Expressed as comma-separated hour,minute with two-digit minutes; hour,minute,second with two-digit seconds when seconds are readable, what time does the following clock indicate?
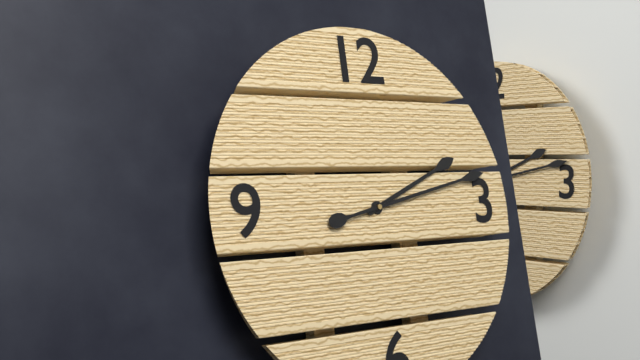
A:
2,13
